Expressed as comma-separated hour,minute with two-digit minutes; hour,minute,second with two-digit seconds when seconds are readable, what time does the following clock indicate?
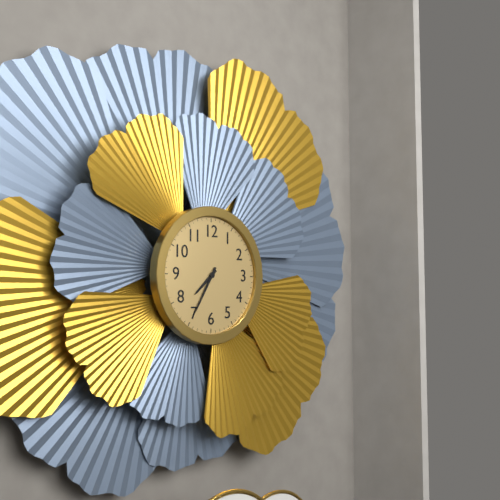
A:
7,35
